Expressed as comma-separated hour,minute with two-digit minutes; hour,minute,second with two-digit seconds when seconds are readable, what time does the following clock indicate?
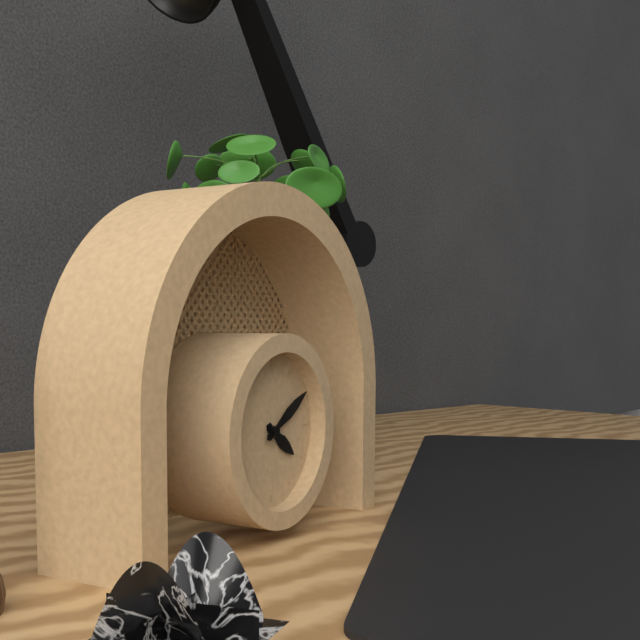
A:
4,10
